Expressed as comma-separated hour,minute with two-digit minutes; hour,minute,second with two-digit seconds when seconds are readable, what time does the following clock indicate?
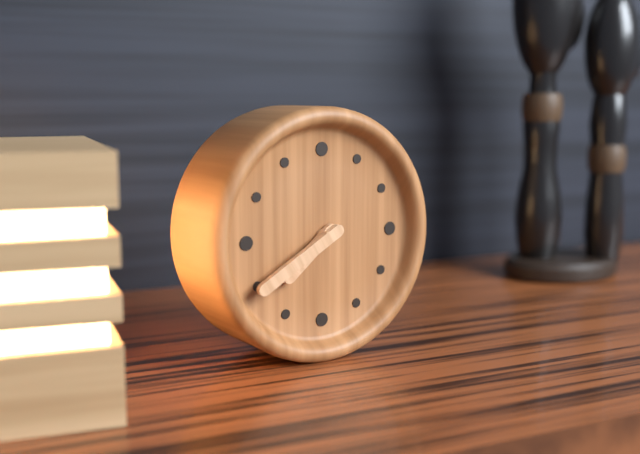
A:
7,40
